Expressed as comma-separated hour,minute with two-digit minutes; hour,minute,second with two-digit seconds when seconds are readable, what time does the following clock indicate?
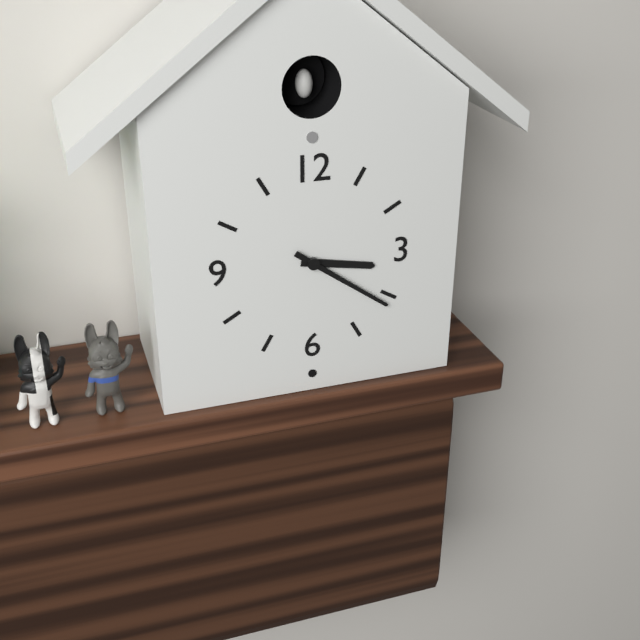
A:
3,21
